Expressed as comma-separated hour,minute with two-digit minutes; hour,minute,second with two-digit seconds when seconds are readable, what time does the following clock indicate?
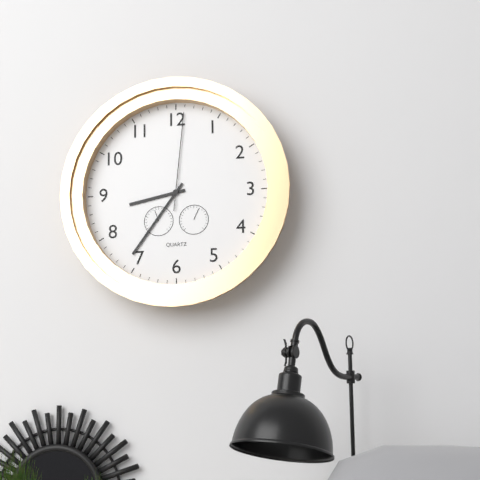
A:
8,36,01
